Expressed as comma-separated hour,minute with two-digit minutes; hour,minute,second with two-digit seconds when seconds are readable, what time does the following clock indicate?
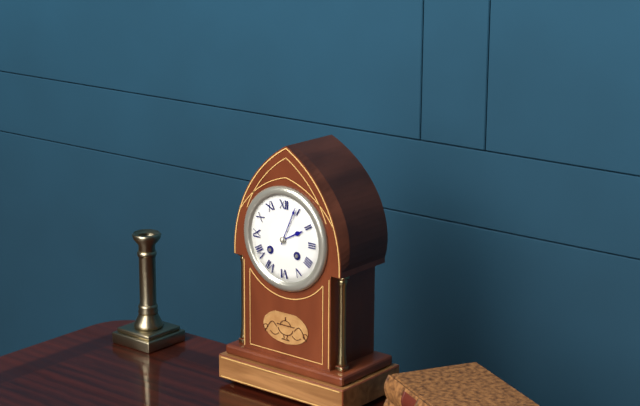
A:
2,04
